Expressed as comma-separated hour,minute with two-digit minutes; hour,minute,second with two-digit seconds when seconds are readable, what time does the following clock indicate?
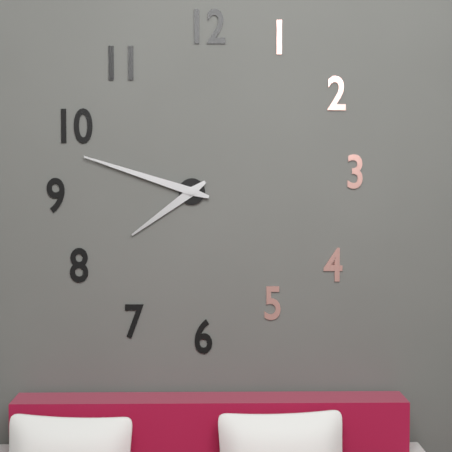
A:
7,48
